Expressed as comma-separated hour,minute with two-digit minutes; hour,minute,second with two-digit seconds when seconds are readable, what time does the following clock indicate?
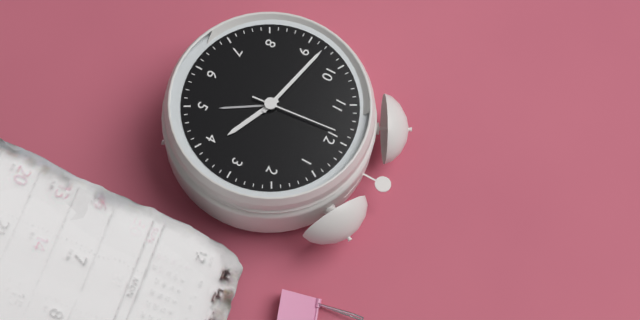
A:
3,47,59
